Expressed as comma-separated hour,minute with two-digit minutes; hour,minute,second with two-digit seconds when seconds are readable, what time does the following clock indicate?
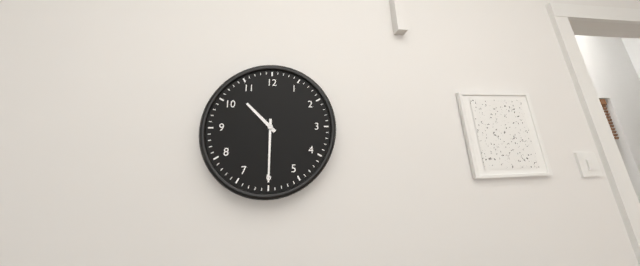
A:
10,30
